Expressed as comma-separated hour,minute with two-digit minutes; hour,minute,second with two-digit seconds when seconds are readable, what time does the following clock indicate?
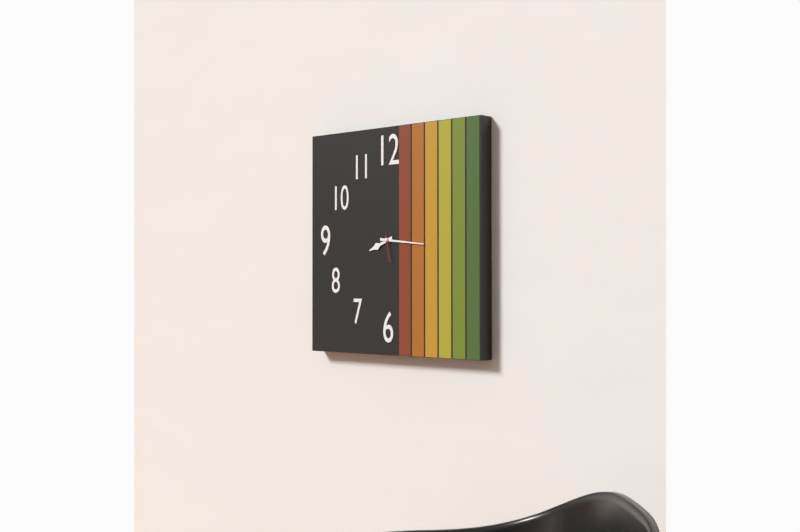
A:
8,16
